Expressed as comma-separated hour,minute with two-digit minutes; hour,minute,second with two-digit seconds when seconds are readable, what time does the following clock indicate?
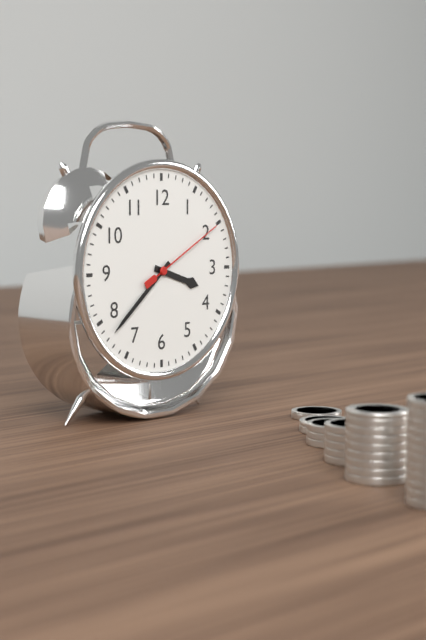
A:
3,38,10
